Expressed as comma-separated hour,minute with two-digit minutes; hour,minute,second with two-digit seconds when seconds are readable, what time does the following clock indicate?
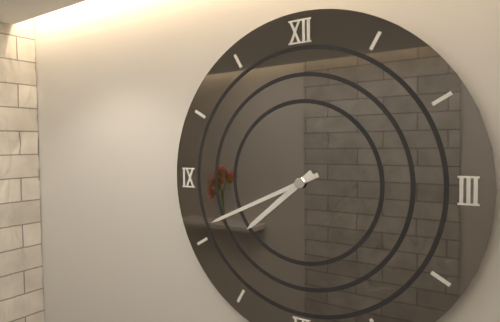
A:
7,41
